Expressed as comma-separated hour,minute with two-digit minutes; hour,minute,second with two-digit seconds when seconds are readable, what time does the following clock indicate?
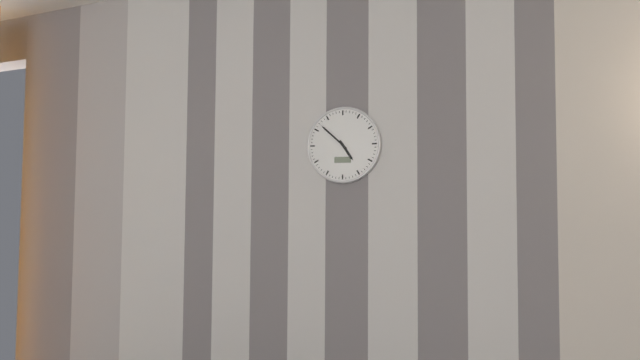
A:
4,52
